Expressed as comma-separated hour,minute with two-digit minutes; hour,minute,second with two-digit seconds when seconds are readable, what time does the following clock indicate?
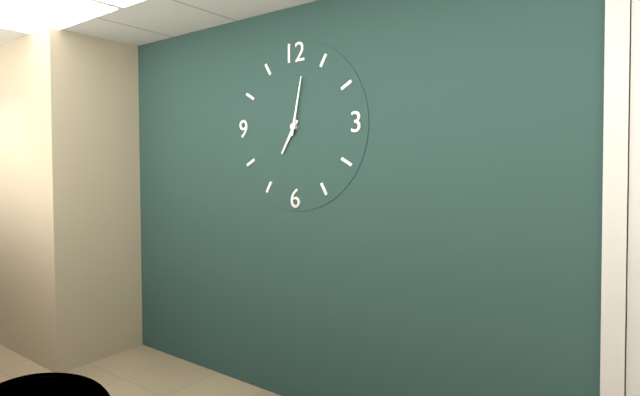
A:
7,02
